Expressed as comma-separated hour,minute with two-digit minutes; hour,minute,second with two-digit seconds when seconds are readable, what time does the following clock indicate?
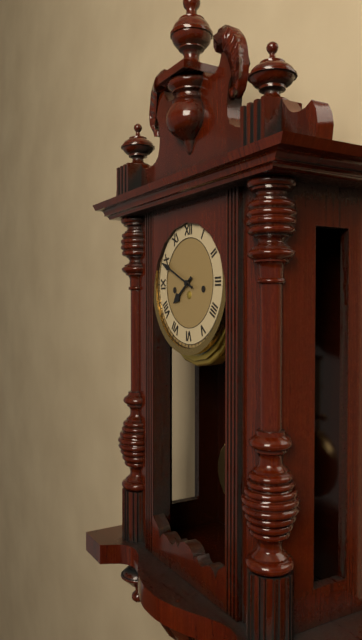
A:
7,49
